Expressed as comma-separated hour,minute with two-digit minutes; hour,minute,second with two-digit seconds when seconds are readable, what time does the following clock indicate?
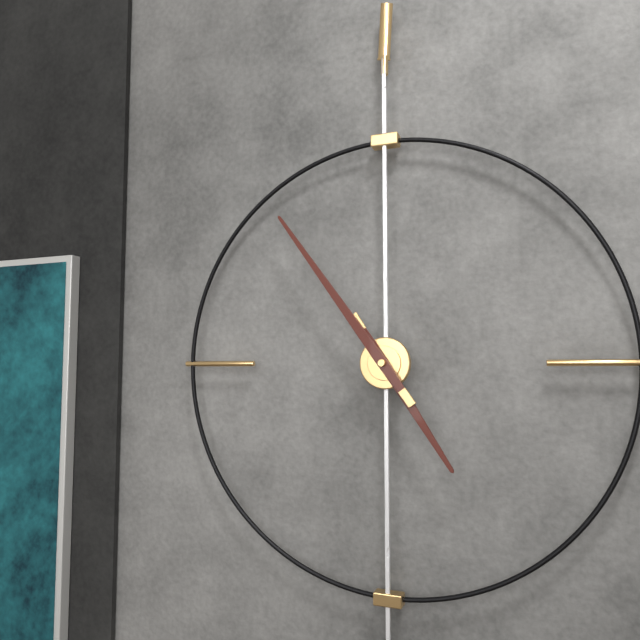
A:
4,54
